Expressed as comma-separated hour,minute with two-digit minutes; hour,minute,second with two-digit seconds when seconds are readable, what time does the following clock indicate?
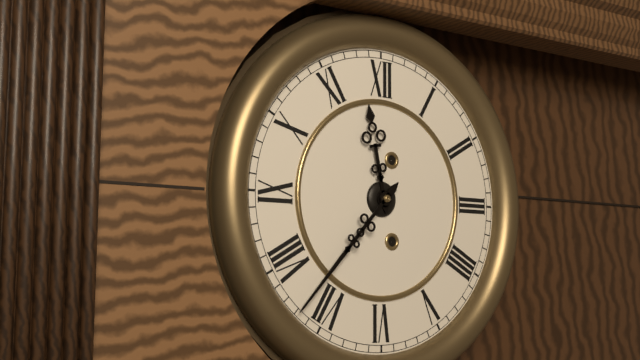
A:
11,37
